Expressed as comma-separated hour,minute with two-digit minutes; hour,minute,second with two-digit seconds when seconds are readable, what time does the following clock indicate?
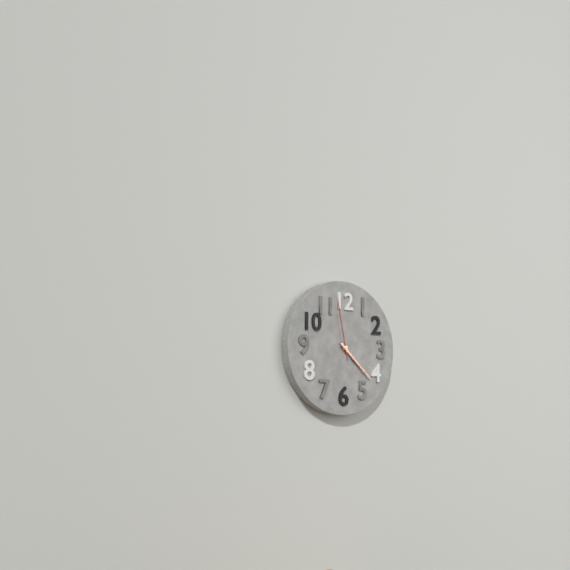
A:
4,22,58
